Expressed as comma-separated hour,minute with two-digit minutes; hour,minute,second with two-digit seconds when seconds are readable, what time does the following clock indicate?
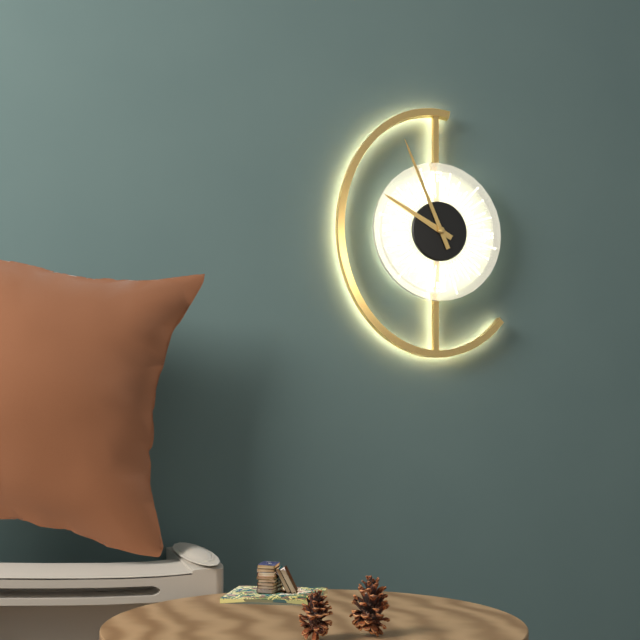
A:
9,56
